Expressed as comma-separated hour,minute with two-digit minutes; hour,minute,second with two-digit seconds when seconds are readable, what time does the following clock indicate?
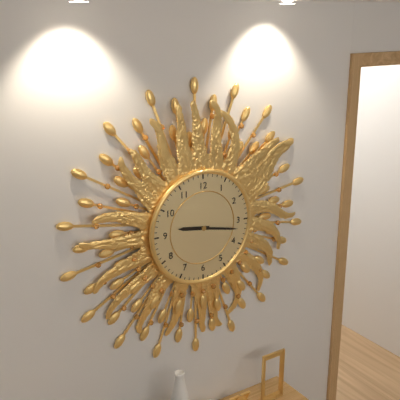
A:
9,17
